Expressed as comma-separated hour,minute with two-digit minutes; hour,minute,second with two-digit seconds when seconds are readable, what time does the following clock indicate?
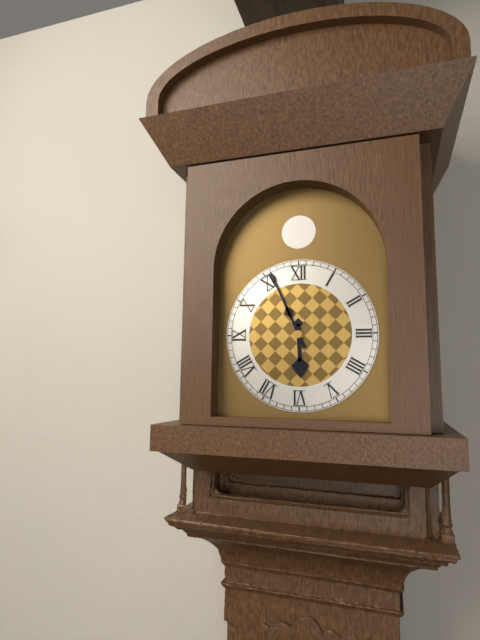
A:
5,56
